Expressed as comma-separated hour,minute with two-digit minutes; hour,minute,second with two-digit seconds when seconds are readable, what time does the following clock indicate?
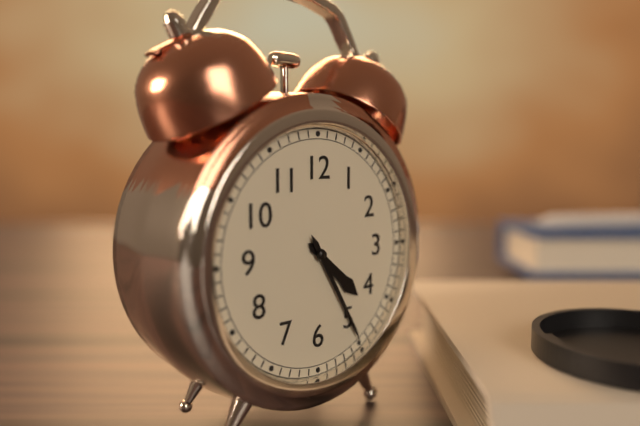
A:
4,25
